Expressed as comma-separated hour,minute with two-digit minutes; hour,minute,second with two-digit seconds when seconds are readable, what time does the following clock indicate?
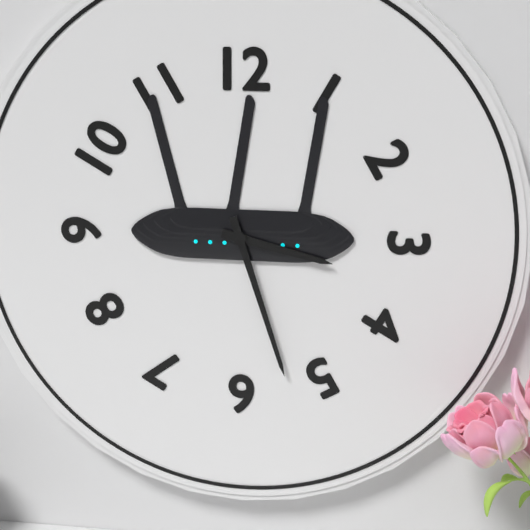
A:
3,27
